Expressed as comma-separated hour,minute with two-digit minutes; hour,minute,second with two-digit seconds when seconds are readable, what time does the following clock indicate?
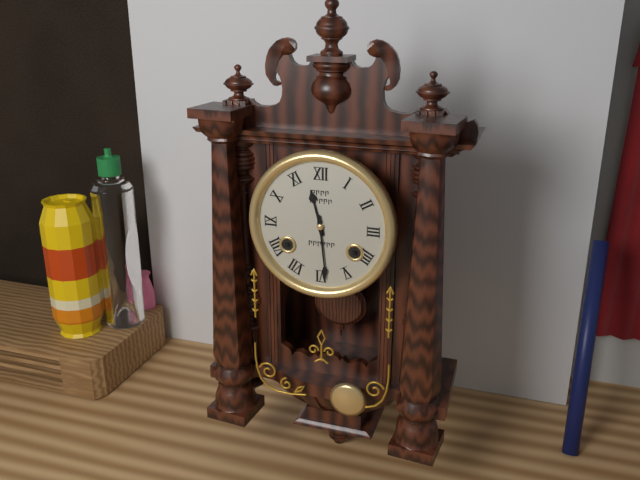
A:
11,29
